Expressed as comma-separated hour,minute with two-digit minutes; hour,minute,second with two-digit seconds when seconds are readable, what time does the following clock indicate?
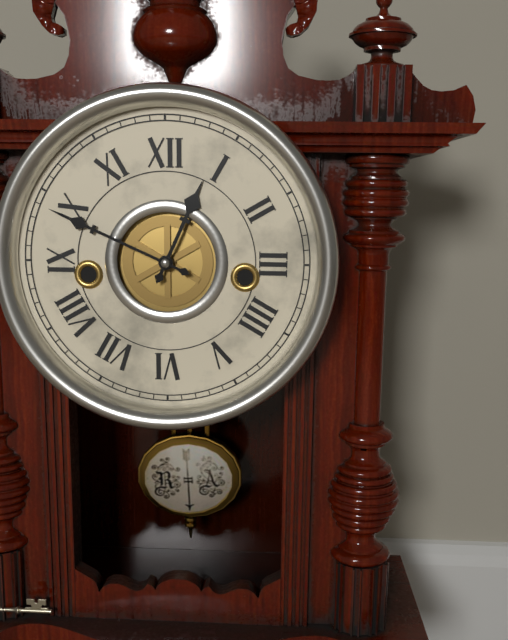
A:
12,49
